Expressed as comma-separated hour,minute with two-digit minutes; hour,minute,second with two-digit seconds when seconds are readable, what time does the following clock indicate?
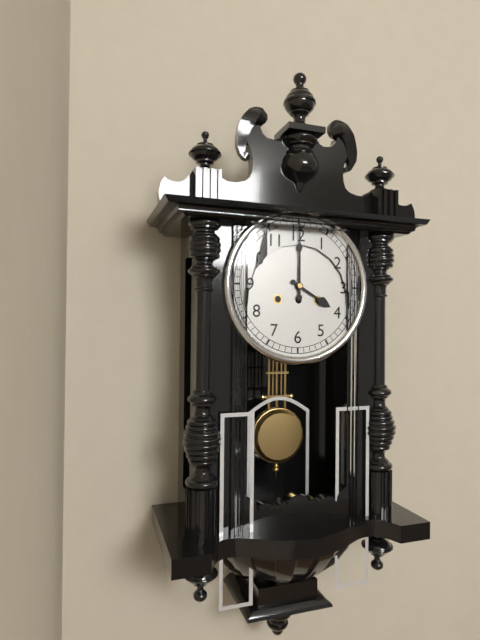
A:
4,00
